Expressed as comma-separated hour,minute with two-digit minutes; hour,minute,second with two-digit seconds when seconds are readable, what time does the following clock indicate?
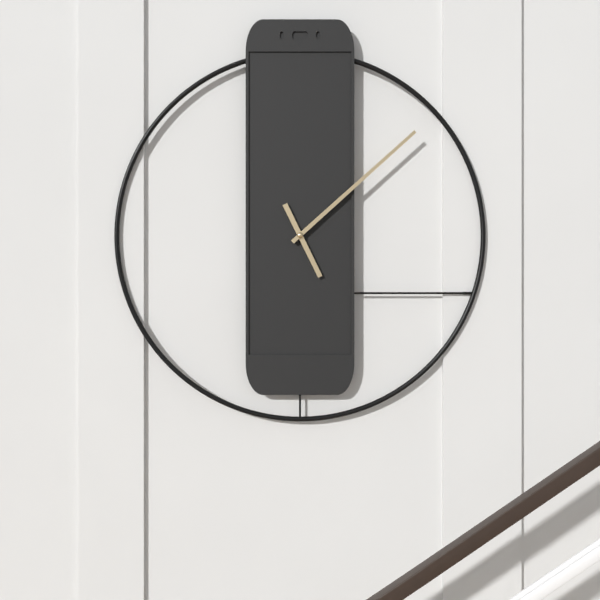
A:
5,08
